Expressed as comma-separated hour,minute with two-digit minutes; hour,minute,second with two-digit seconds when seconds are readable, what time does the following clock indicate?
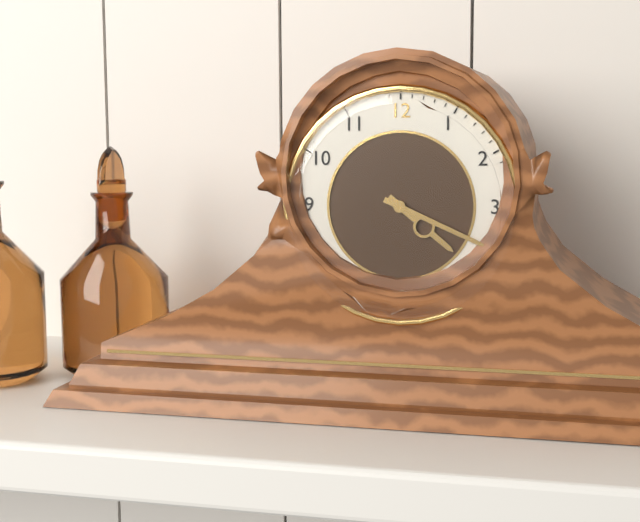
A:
4,19
